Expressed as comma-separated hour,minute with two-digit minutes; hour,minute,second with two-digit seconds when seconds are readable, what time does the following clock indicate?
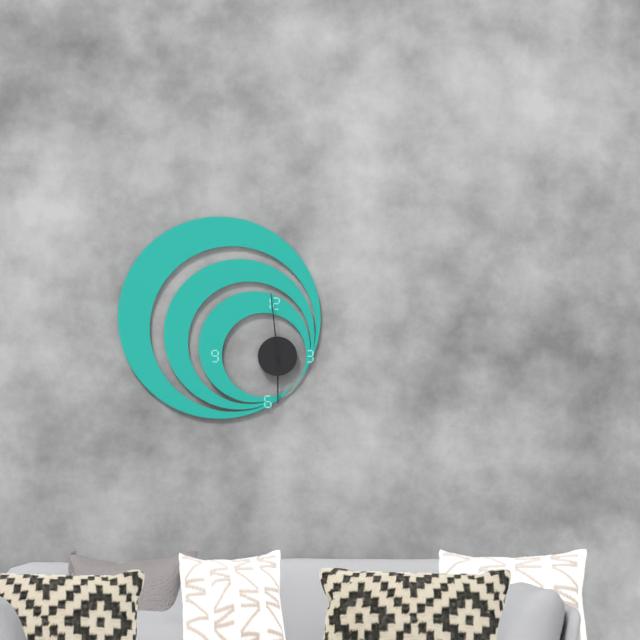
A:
5,59
